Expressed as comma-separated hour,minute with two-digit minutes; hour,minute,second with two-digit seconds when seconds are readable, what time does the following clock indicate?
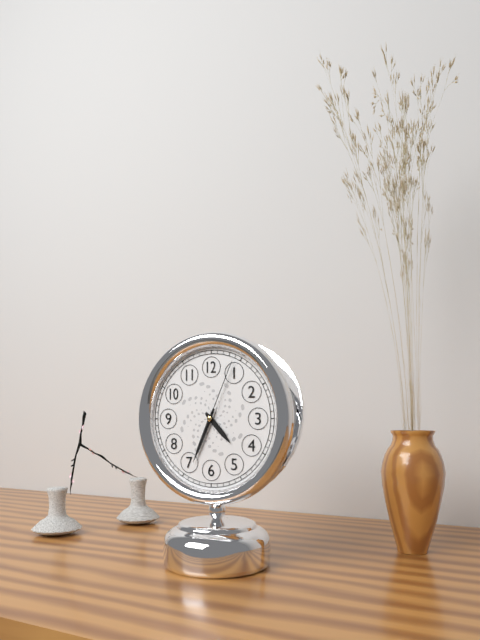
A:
4,34,04
